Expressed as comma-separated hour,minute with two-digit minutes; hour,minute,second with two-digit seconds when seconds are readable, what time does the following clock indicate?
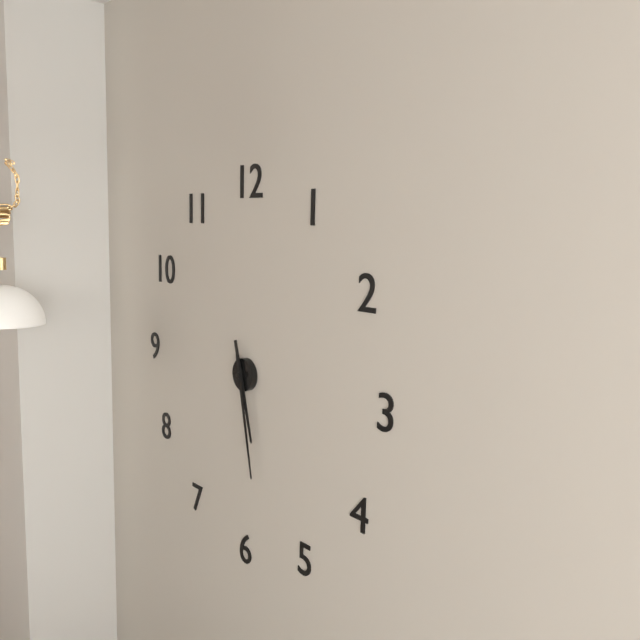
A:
5,28
